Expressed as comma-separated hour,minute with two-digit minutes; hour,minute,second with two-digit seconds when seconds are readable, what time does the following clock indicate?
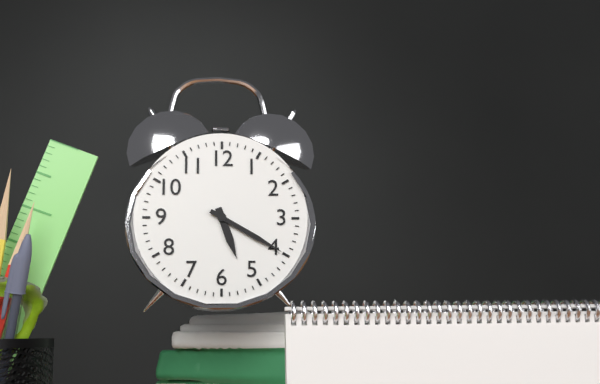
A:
5,20
